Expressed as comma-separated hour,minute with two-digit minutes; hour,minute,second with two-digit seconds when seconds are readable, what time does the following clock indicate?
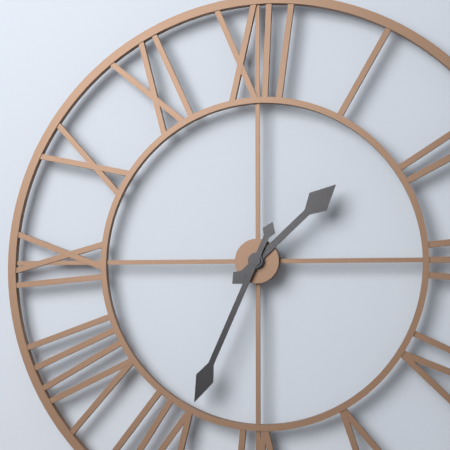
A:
1,34
